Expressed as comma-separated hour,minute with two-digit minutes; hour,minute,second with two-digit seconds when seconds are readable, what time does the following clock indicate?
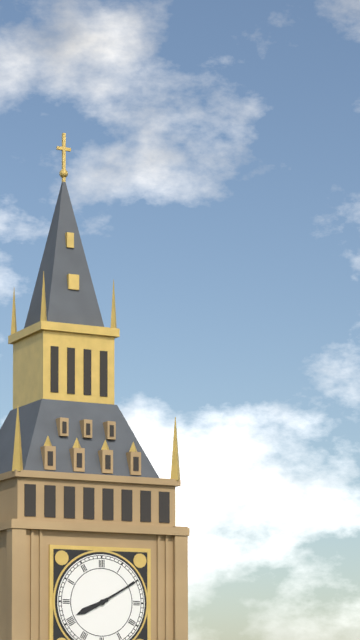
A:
8,10
